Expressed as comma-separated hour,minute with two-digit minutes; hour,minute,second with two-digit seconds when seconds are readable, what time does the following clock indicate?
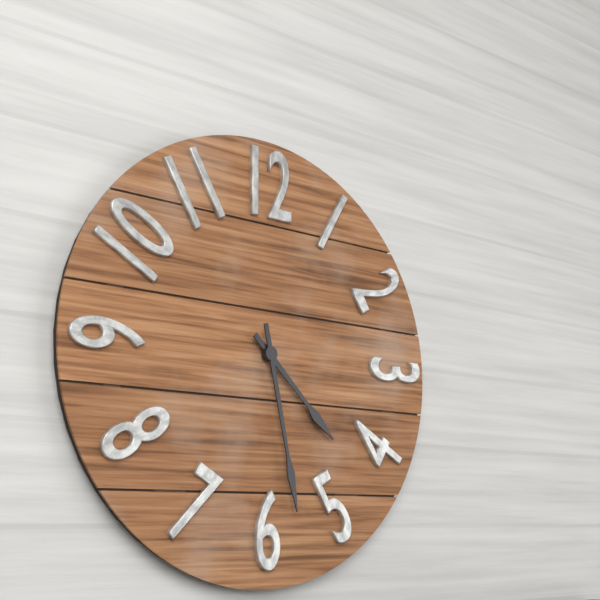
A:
4,28
